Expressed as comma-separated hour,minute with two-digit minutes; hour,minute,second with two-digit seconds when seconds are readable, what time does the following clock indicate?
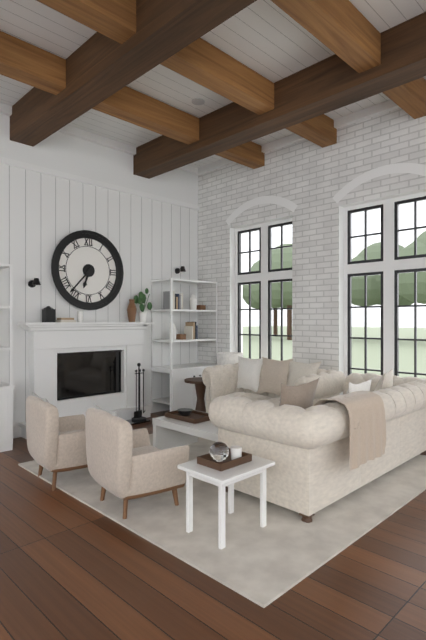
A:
6,37
